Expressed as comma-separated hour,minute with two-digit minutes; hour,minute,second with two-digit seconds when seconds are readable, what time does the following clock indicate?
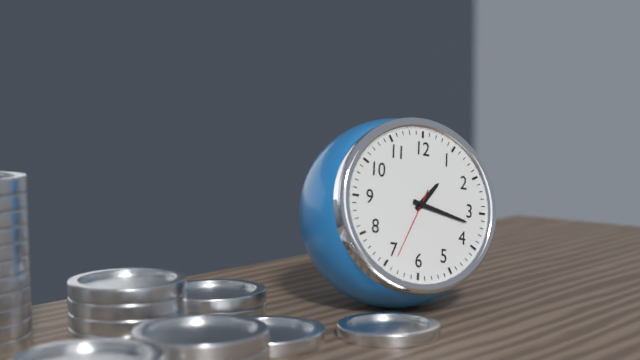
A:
1,17,34
